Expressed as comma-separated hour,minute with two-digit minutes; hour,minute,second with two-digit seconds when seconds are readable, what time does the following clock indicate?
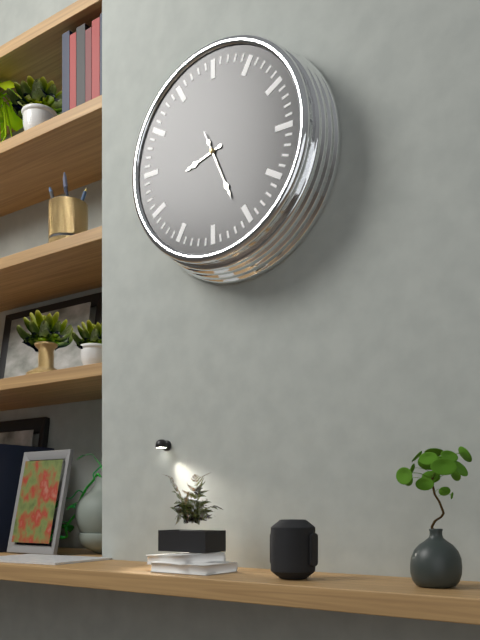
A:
8,26,26
